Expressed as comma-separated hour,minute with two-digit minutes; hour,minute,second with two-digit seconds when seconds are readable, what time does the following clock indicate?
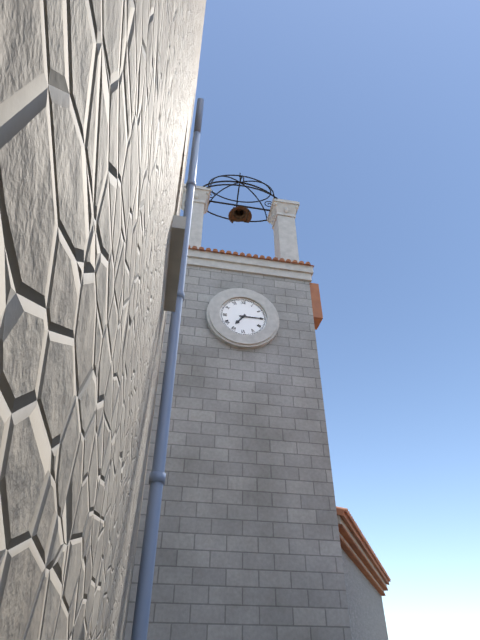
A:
7,15
